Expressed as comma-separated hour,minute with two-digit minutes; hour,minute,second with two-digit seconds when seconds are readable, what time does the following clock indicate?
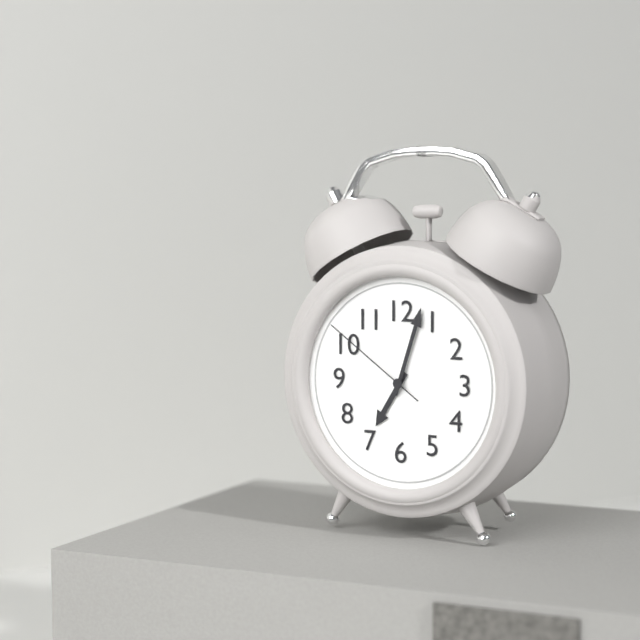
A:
7,03,51
